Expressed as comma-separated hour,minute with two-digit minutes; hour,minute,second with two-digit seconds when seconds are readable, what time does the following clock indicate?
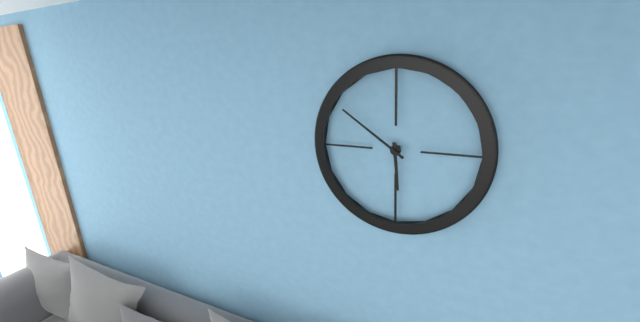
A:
5,51
